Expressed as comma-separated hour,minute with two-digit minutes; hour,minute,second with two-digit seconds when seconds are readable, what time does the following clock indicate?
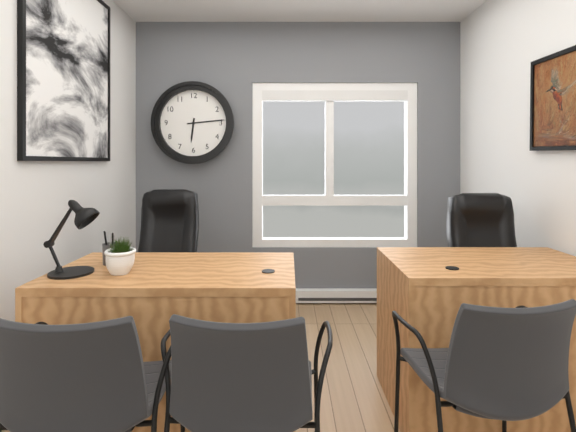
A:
6,14
